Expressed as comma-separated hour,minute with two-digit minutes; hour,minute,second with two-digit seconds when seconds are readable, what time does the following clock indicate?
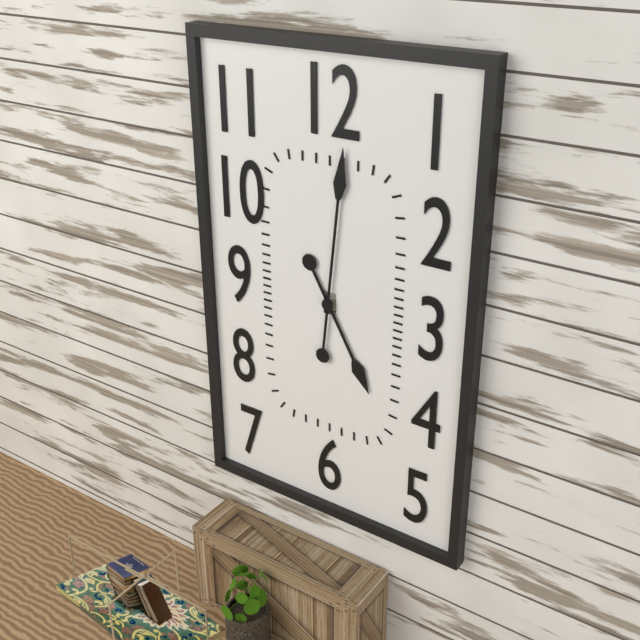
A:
5,01
